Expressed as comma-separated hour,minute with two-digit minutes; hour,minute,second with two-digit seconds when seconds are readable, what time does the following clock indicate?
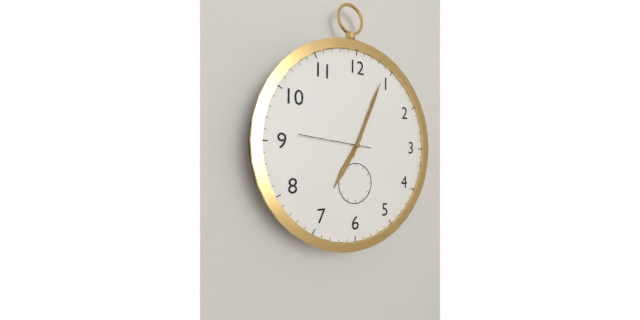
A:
7,04,46
